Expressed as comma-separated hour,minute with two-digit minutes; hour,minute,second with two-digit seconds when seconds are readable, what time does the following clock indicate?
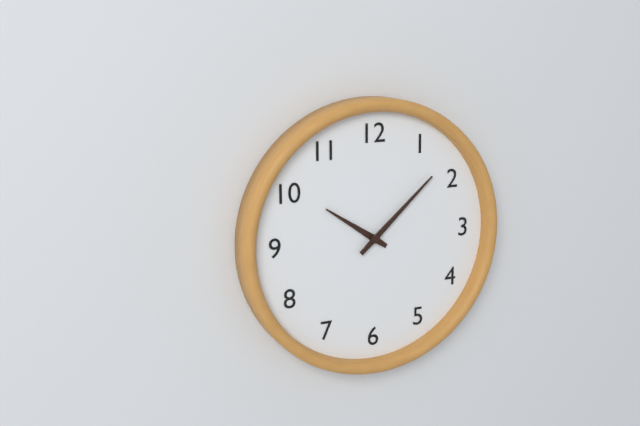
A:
10,08
